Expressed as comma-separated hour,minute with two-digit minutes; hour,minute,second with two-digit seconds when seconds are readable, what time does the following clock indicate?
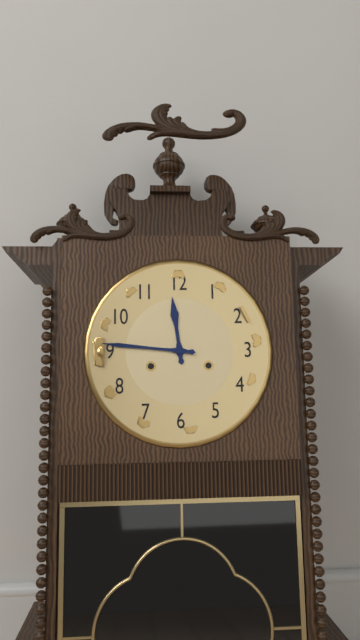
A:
11,46
